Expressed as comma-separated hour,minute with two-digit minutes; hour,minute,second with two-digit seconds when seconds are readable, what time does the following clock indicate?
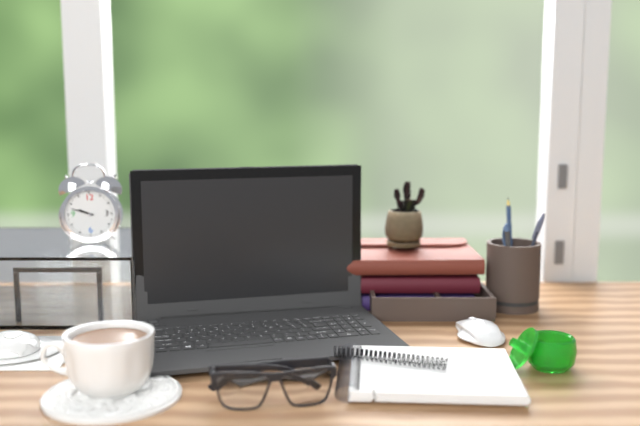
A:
9,48
